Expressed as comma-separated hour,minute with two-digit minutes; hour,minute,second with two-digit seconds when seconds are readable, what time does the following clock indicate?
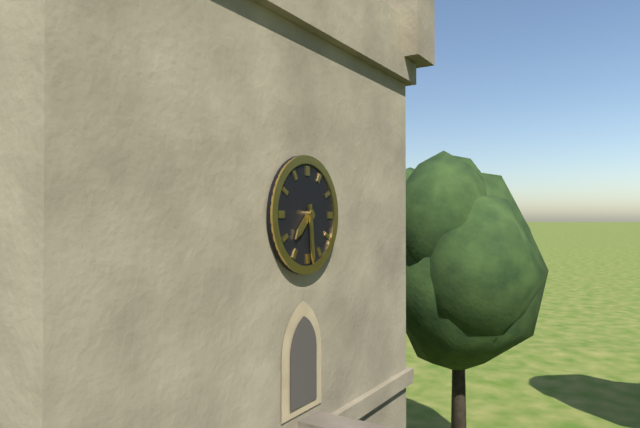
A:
7,29
